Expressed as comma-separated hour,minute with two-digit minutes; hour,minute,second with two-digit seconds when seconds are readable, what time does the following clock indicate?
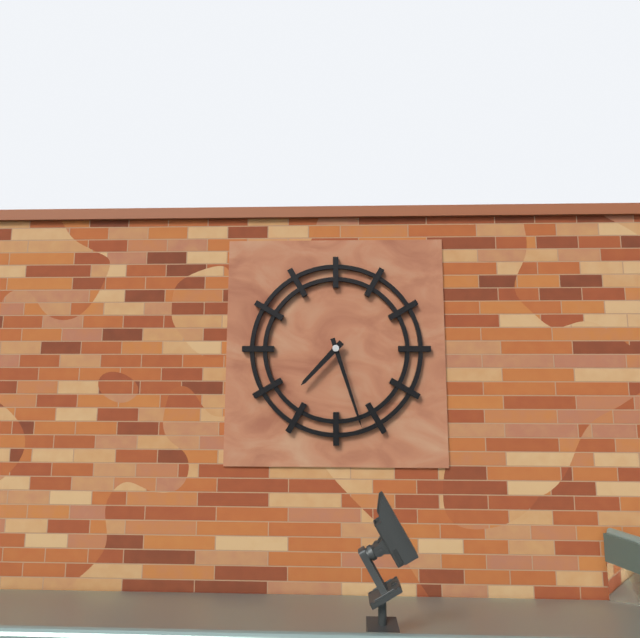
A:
7,27
